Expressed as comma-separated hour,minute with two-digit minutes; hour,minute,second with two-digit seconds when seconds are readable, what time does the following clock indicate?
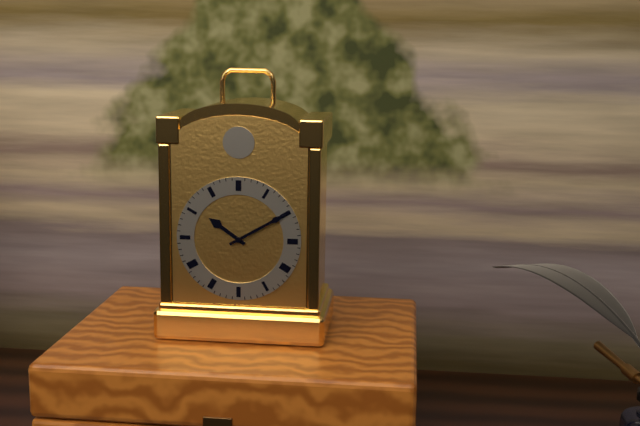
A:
10,10
